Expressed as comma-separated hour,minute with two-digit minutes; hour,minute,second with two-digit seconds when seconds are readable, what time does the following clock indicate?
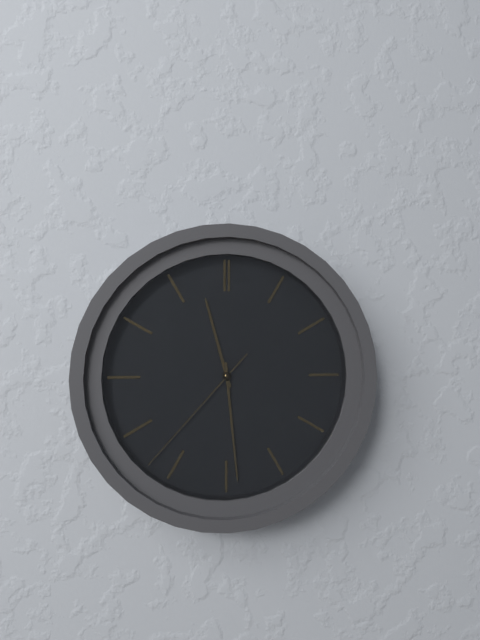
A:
11,29,37
